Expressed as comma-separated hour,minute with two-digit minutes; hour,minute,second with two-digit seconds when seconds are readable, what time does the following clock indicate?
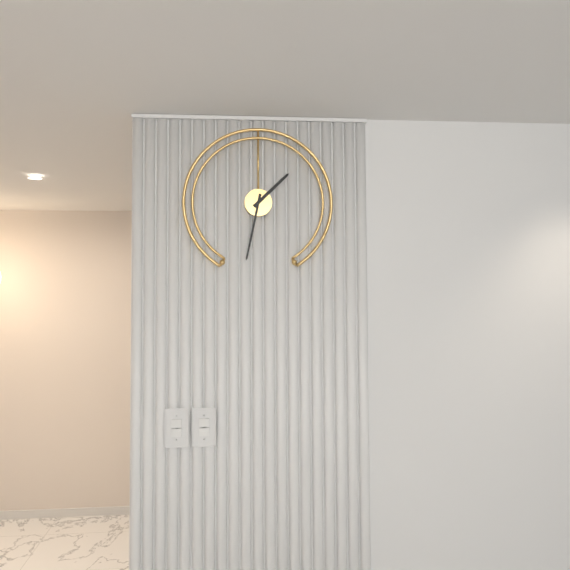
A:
1,32
